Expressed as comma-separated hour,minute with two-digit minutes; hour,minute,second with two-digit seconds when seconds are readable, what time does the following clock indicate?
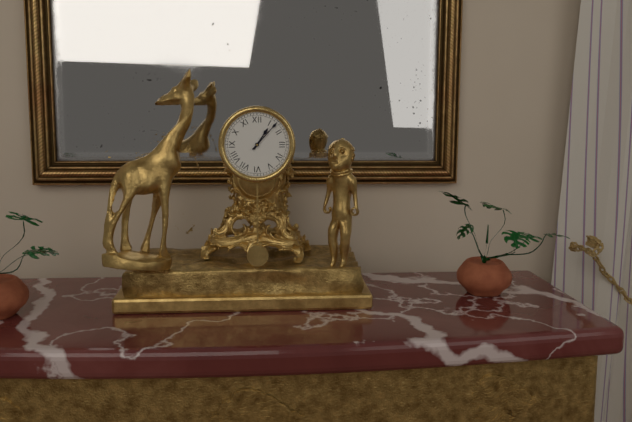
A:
1,07
